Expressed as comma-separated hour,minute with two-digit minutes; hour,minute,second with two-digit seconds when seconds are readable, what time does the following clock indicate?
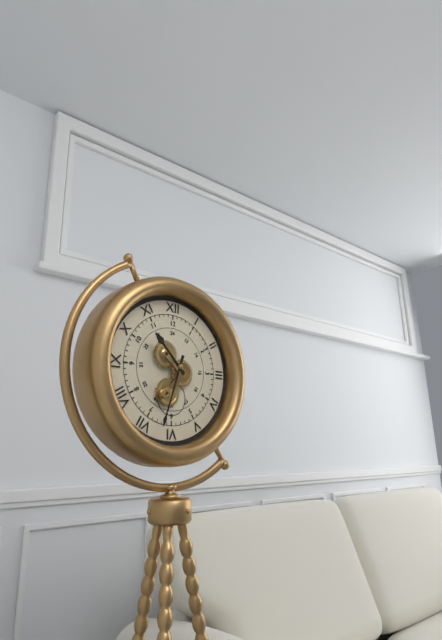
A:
10,33
